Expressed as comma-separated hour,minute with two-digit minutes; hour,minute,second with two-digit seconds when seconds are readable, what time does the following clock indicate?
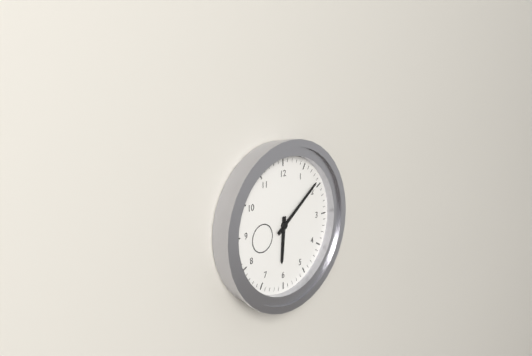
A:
6,09
